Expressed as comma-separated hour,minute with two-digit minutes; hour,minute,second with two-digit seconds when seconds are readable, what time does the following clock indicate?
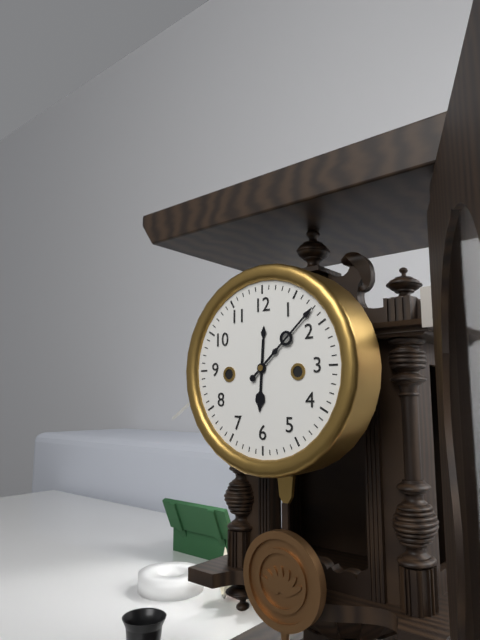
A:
6,08
